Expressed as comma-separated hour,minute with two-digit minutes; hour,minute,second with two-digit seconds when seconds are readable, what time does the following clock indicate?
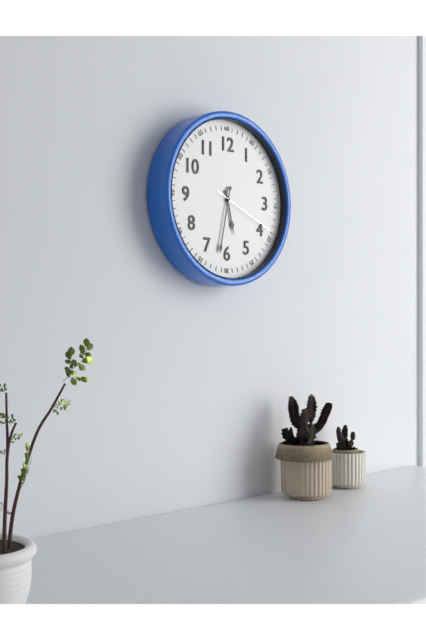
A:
5,32,19
